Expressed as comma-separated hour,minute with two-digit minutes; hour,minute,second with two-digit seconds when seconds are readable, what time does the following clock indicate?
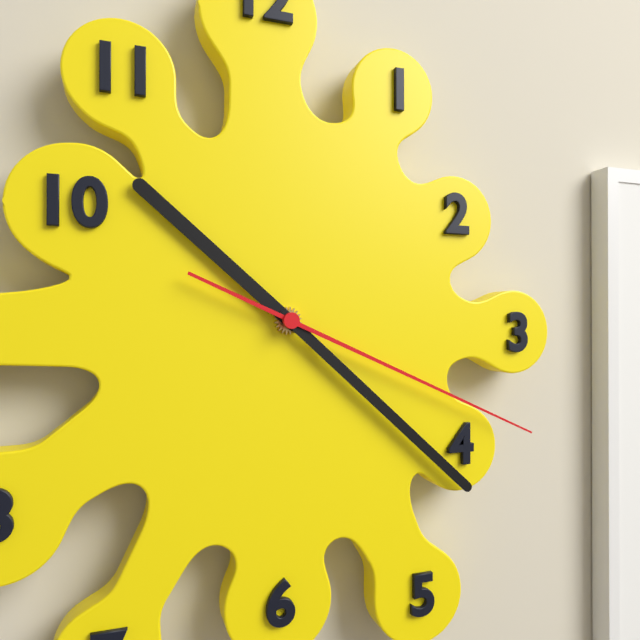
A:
10,22,19
